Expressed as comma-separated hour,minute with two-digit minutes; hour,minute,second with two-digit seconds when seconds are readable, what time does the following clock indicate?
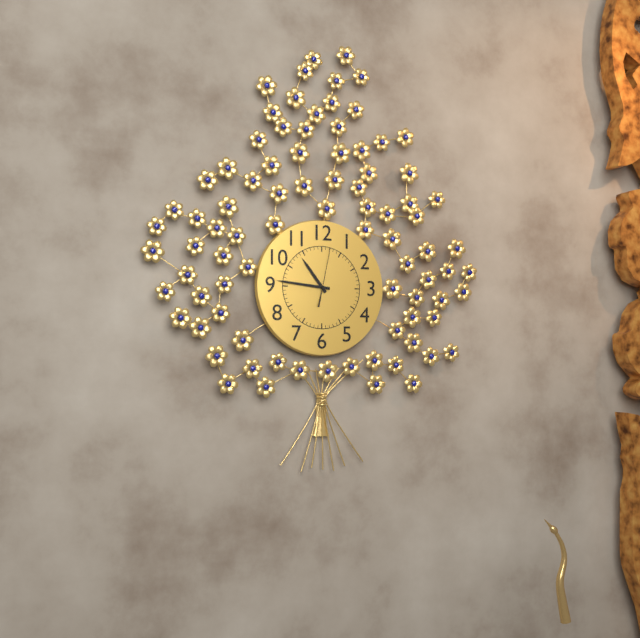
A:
10,46,02
